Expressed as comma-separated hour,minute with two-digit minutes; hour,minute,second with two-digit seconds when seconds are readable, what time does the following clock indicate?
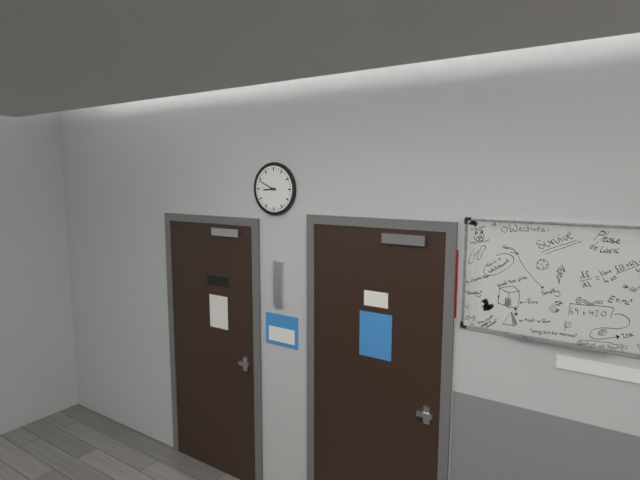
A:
8,49
